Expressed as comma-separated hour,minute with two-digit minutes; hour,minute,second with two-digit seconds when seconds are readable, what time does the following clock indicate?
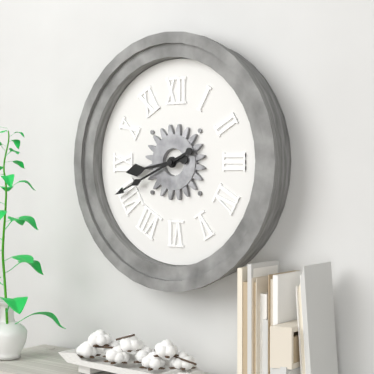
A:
8,41
